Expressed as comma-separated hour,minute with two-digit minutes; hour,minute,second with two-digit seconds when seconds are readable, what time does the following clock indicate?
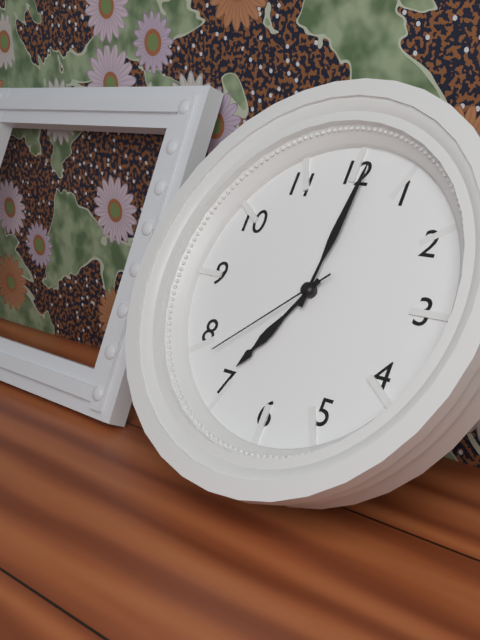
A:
7,01,38
